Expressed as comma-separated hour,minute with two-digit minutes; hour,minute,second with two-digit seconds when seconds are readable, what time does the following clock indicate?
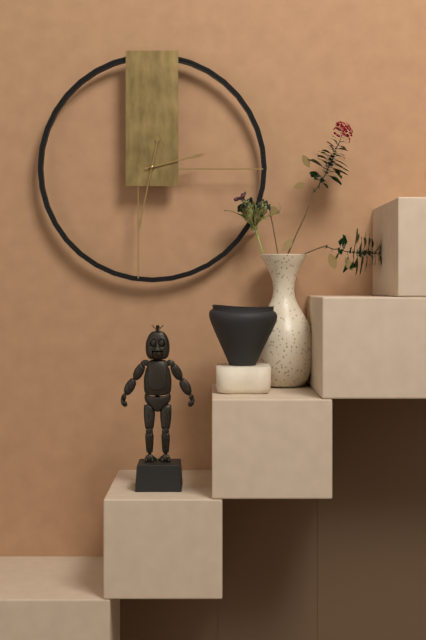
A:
2,32
